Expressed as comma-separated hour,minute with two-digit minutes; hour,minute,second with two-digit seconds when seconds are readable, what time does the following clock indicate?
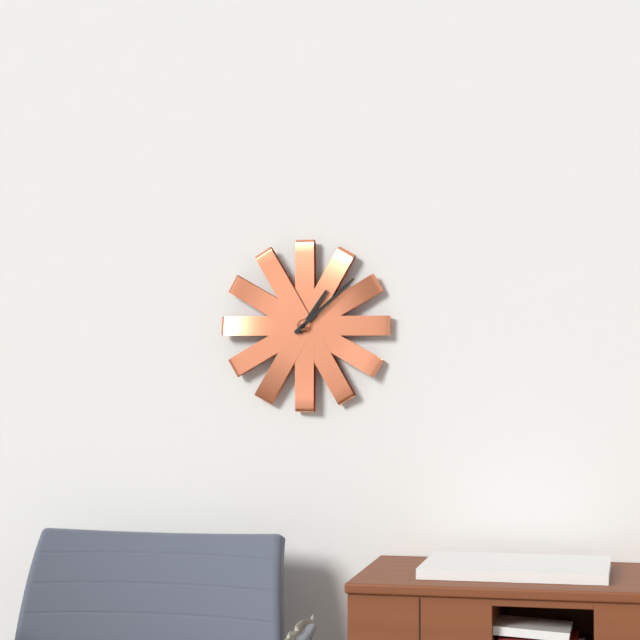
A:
1,08
